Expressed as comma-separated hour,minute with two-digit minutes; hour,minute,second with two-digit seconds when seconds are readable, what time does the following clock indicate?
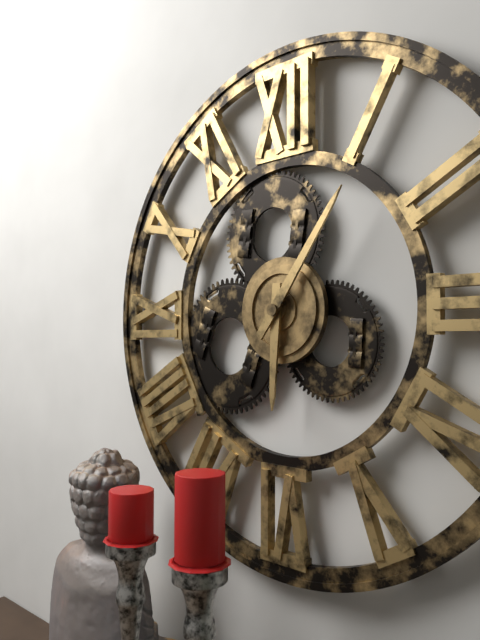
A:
6,06
